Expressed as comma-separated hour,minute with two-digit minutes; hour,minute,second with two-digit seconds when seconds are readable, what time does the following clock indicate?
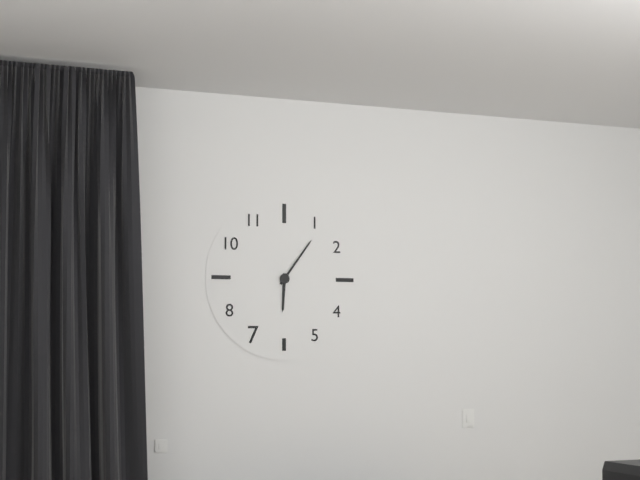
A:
6,06
